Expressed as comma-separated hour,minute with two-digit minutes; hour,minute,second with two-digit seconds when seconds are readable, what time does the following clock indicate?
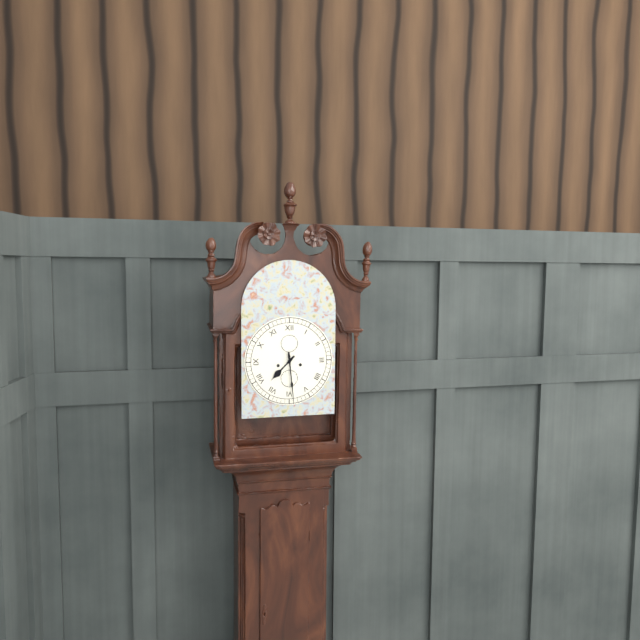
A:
7,29
